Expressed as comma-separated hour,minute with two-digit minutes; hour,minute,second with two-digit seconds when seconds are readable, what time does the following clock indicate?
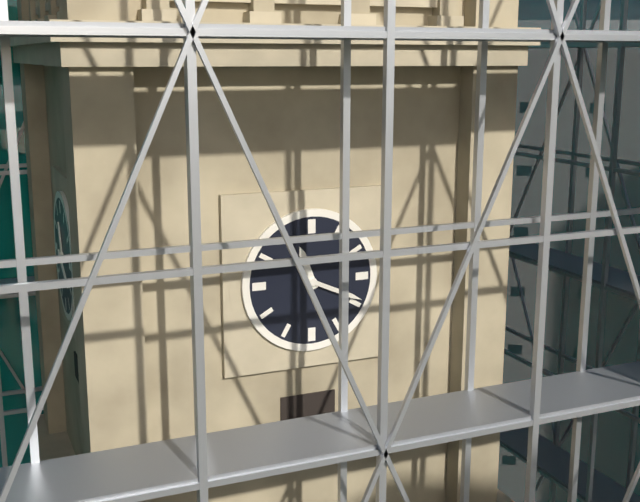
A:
11,19
